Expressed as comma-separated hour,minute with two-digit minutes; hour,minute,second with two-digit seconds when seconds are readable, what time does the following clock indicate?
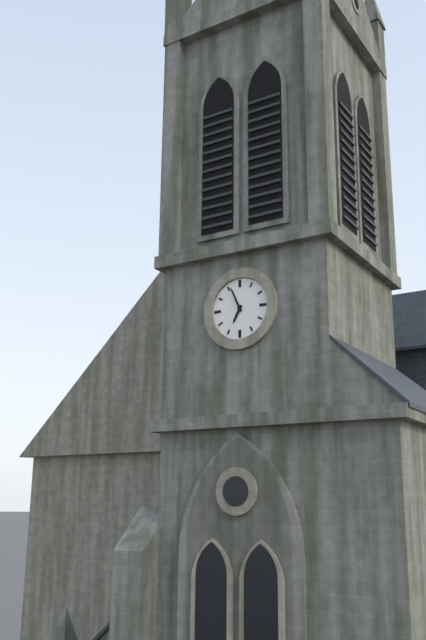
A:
6,56
